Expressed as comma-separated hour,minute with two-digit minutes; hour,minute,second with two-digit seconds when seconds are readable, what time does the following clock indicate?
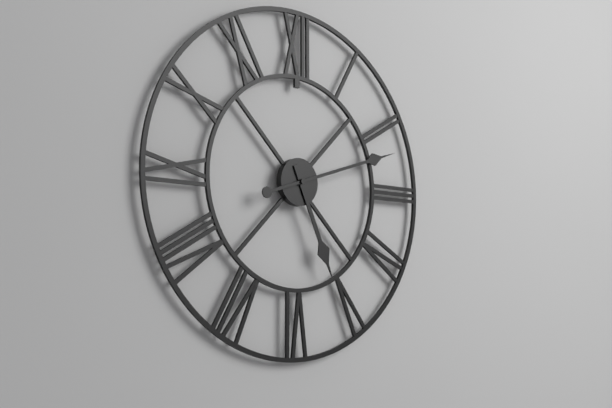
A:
5,12
